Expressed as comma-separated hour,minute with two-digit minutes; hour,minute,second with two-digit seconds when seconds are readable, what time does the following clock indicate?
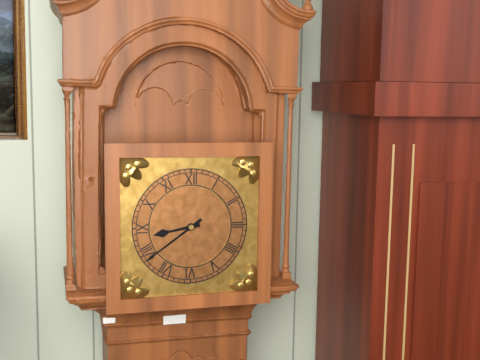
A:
8,39
